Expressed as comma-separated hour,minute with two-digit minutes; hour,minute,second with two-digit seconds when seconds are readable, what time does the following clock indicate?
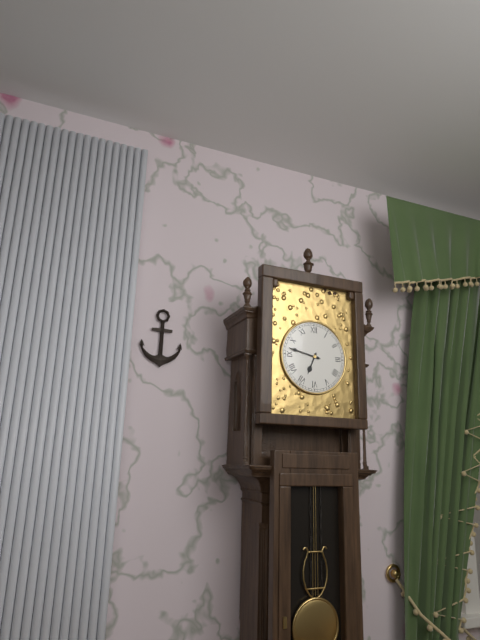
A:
6,47
